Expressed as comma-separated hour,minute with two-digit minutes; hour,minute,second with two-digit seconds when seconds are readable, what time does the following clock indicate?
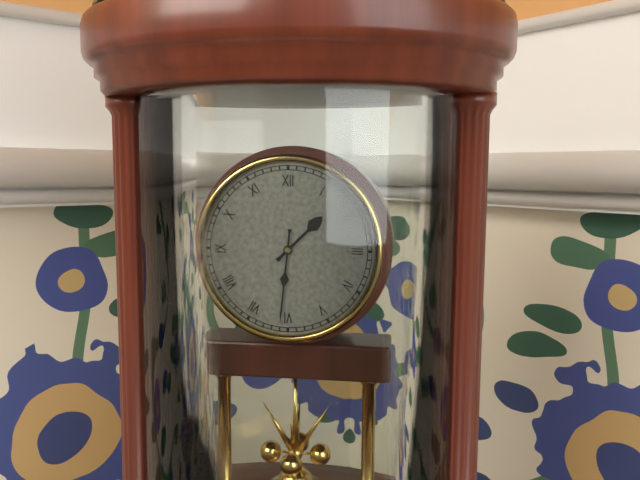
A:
1,31
